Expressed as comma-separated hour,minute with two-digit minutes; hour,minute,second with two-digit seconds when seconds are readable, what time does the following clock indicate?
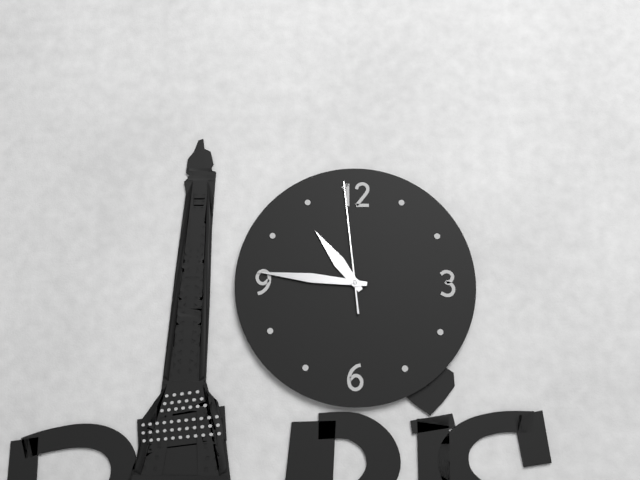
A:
10,46,59
